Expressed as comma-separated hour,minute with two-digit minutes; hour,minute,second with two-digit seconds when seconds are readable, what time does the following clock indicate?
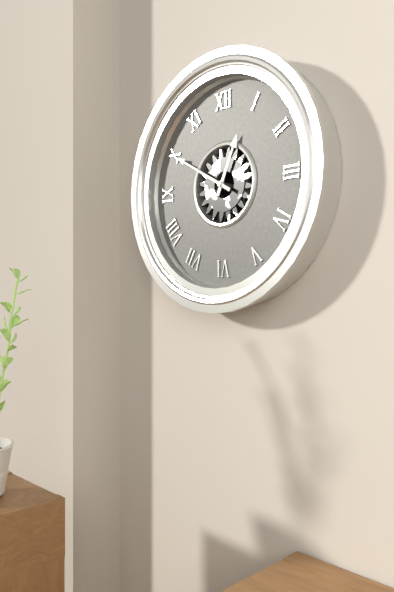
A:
12,50
